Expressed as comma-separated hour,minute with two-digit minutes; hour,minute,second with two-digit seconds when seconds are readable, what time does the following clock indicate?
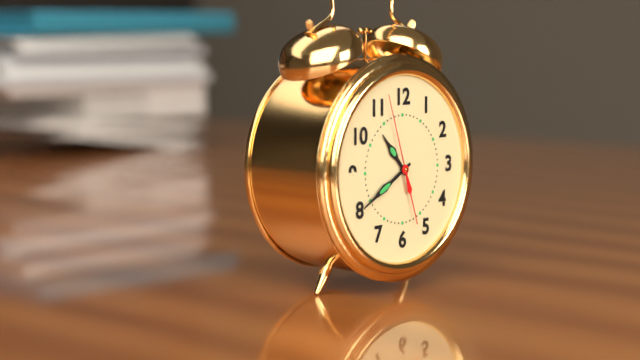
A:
10,40,57
